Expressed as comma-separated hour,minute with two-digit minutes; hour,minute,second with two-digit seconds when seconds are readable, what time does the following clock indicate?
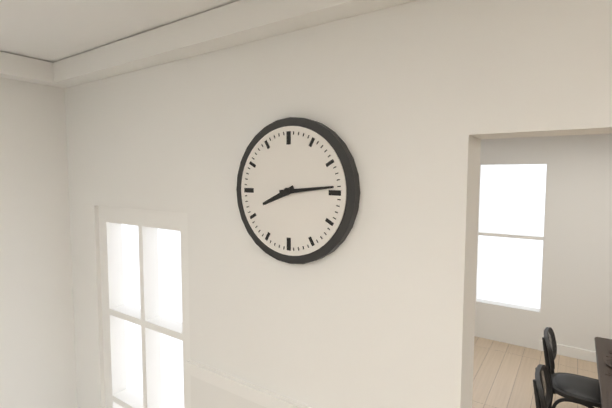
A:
8,14
